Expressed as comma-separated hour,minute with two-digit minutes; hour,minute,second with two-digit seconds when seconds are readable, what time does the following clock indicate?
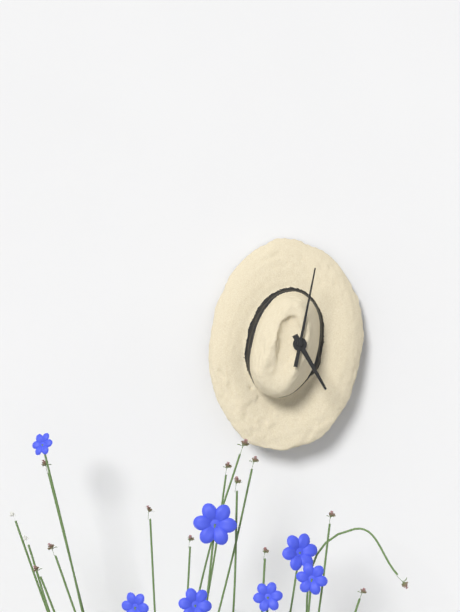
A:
5,02
